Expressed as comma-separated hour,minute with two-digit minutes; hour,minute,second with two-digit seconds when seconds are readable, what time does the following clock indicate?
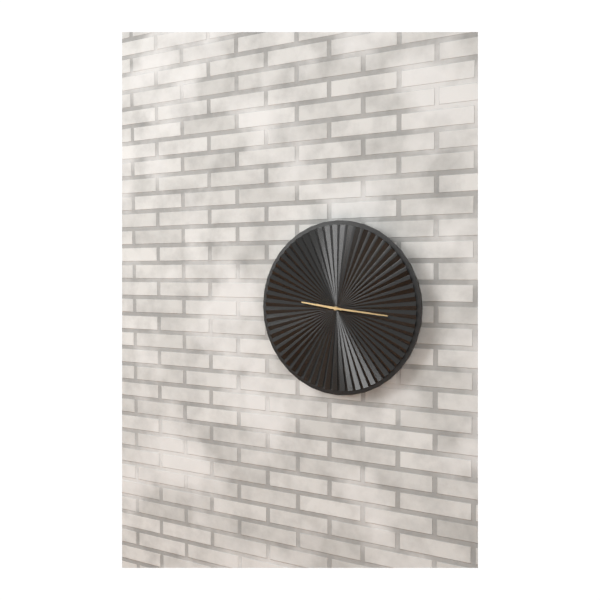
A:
9,16
